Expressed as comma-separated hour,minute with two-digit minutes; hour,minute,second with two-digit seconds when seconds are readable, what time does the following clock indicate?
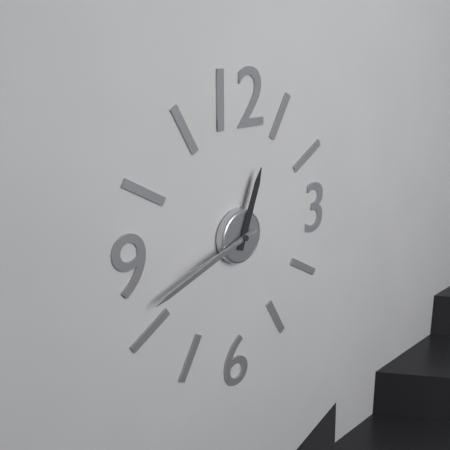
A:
12,42,43
